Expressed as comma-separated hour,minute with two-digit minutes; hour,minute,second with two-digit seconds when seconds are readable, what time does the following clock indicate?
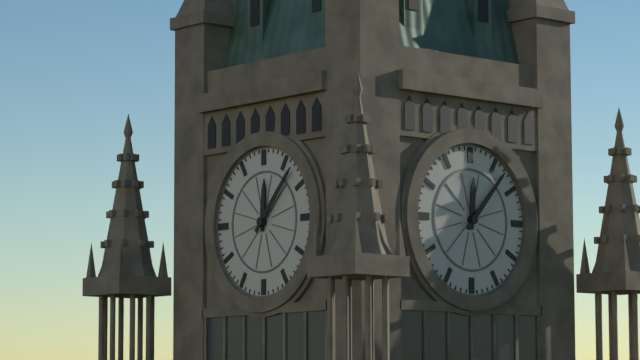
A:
12,07
